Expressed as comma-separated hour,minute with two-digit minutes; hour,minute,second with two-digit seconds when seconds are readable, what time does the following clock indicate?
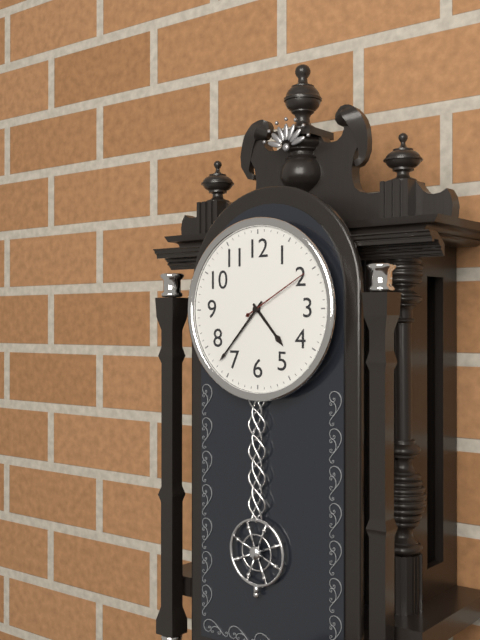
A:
4,37,10
